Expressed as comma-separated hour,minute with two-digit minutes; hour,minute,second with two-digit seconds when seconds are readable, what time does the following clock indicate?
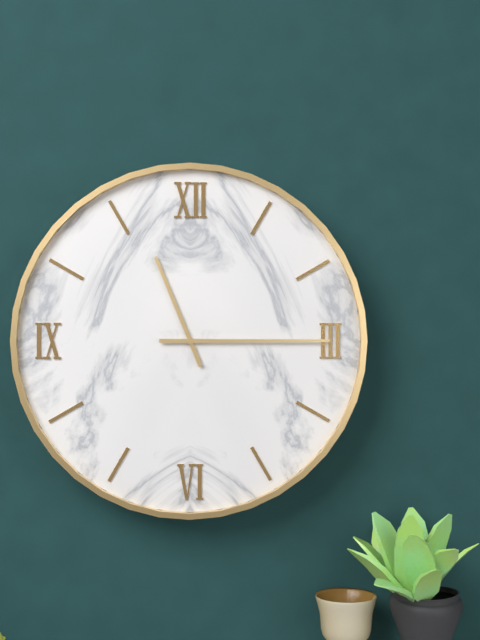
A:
11,15
